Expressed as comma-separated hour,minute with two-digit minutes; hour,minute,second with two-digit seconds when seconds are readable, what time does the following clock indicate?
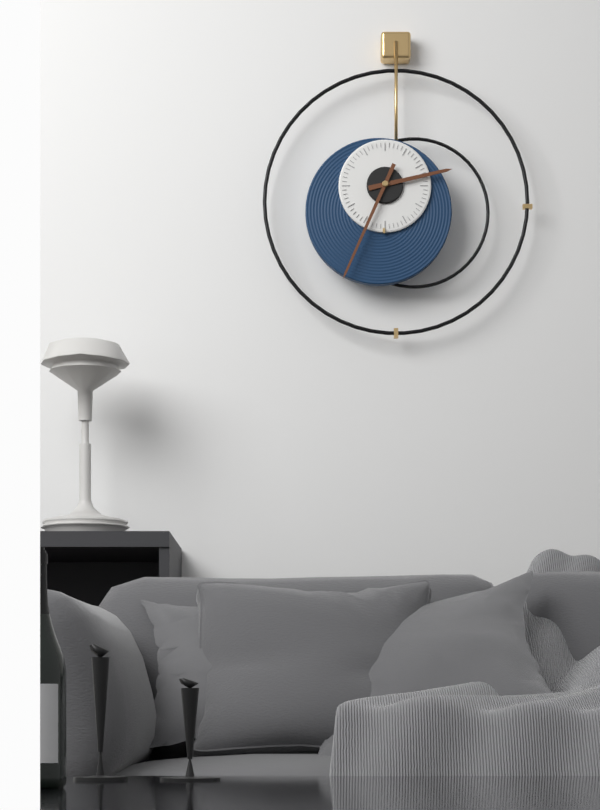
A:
2,34
